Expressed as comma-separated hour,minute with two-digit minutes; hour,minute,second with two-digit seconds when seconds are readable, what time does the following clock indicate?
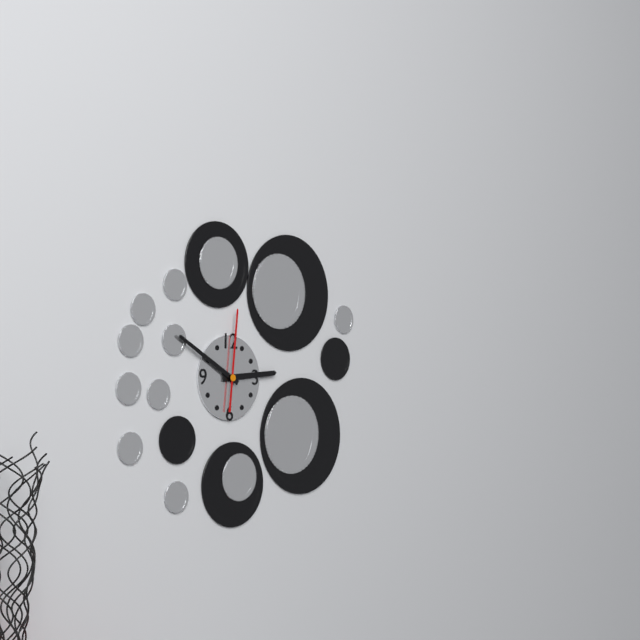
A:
2,50,01
